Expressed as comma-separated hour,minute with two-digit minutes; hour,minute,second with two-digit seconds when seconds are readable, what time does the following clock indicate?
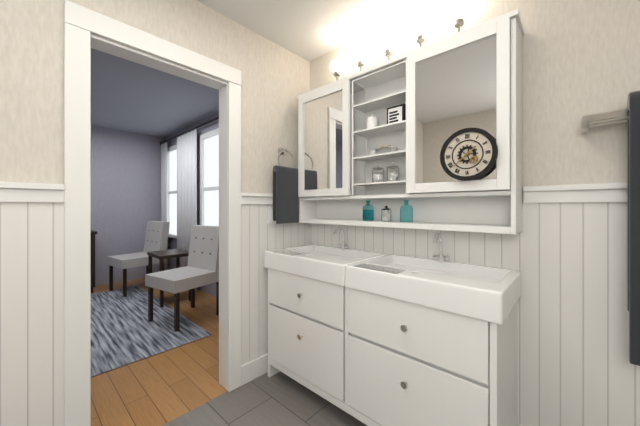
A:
1,38
